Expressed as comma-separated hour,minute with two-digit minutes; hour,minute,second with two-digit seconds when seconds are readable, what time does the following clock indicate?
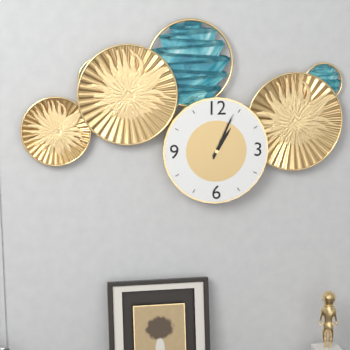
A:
1,04
